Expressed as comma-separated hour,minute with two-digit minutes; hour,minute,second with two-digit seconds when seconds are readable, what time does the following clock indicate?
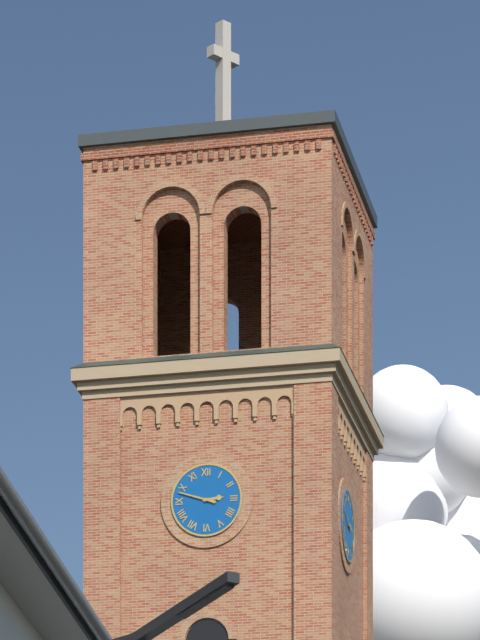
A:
2,48
